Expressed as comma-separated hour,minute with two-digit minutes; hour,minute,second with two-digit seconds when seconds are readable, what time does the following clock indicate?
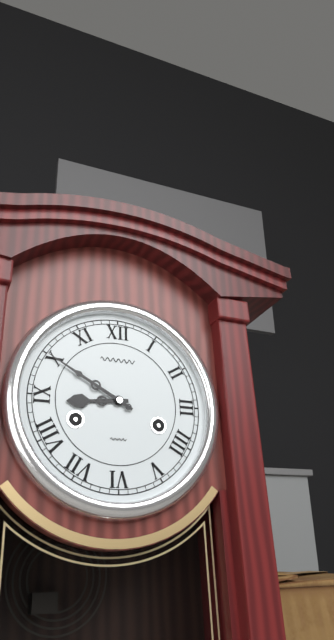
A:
8,50
